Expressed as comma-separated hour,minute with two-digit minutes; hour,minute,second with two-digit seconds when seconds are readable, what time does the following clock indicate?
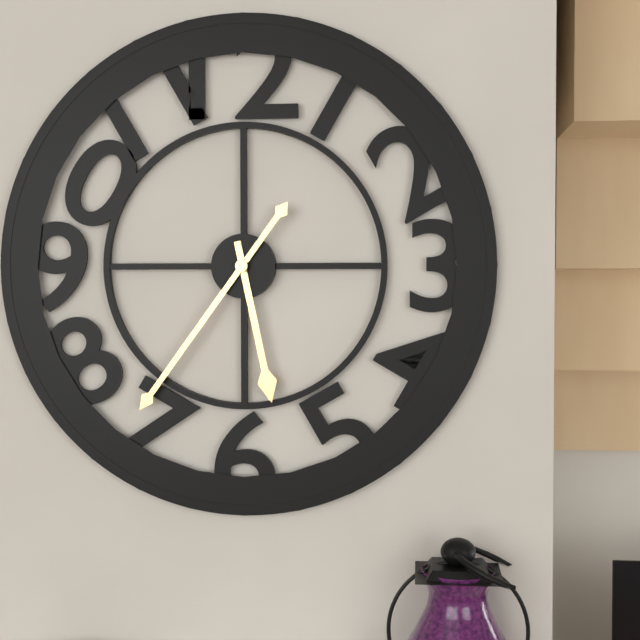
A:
5,36
